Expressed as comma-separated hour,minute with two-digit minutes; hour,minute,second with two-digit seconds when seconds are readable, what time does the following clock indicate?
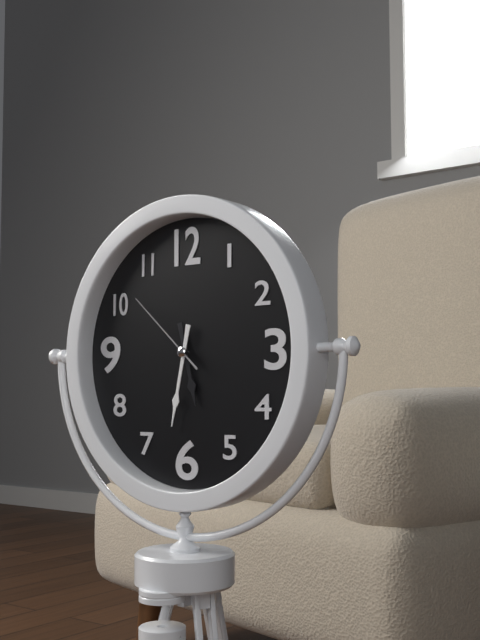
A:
5,32,52
